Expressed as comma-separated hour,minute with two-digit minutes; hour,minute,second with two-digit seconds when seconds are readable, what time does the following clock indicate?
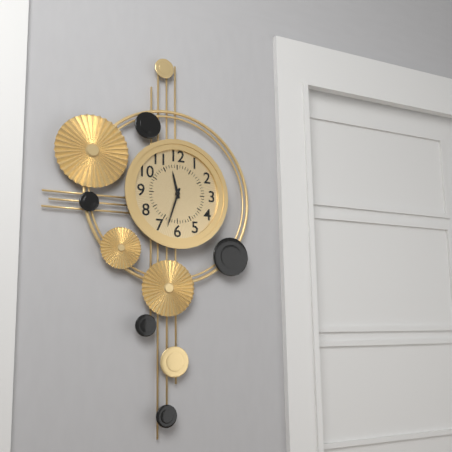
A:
11,33
